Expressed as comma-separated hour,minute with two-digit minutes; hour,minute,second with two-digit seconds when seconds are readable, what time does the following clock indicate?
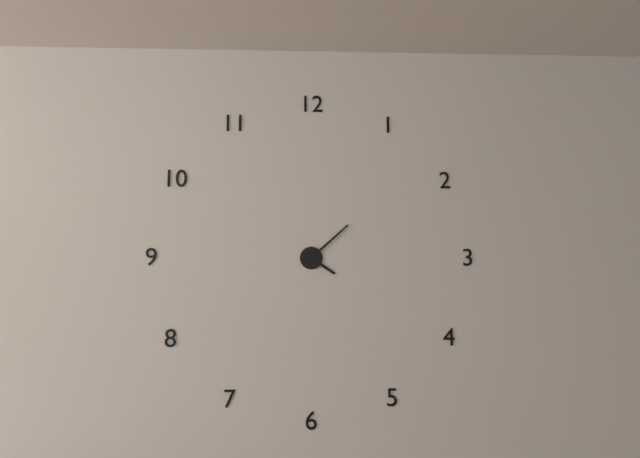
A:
4,08
